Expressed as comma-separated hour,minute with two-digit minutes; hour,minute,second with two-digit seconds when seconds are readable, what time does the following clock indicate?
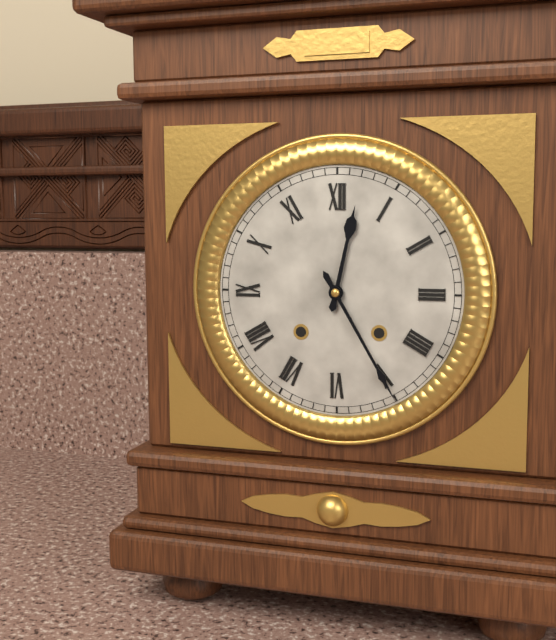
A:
12,25
